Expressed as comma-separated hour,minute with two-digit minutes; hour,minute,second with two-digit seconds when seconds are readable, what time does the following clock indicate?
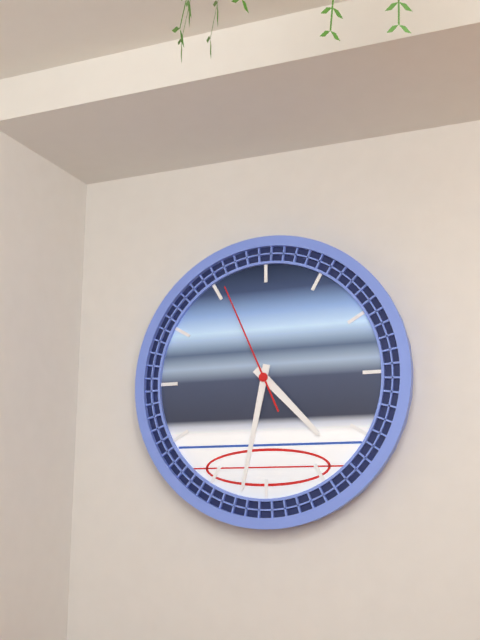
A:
4,32,56
